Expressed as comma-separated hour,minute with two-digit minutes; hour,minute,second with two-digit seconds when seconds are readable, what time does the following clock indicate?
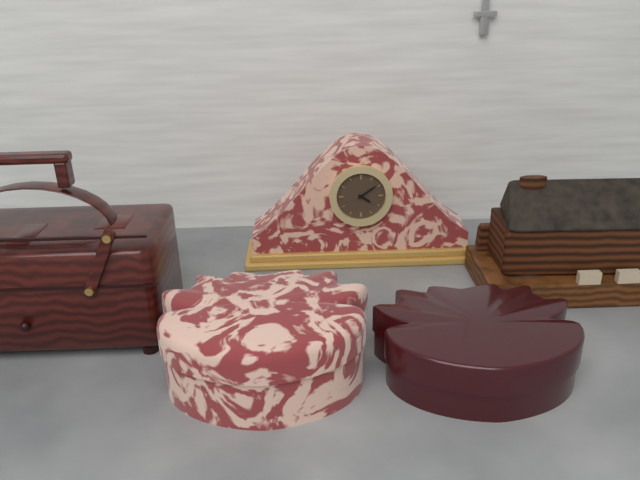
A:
4,09
